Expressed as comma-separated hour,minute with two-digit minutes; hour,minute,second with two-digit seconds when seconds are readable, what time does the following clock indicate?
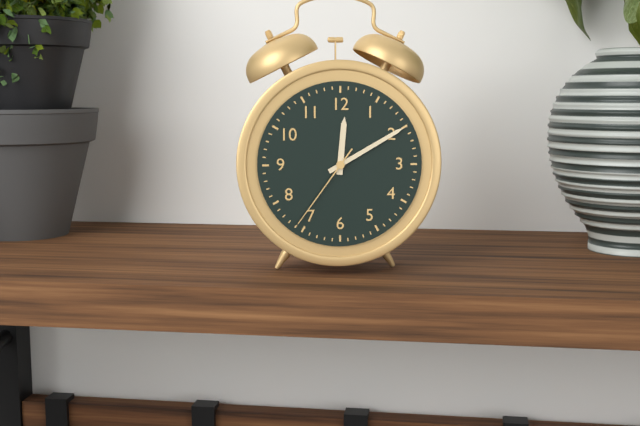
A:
12,10,36
